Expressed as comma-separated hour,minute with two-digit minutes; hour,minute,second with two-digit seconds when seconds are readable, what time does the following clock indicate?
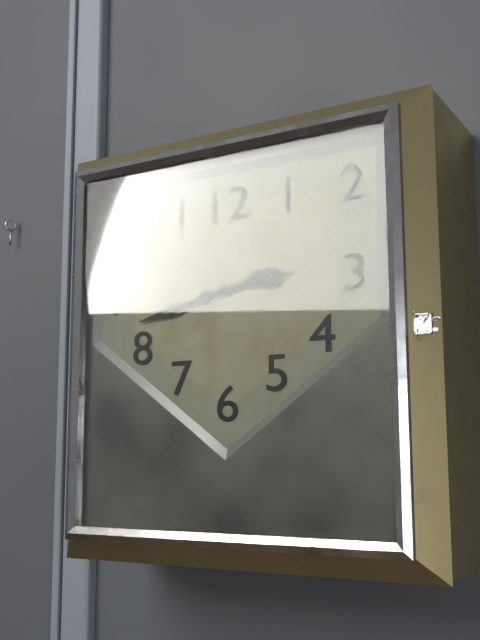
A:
2,43
